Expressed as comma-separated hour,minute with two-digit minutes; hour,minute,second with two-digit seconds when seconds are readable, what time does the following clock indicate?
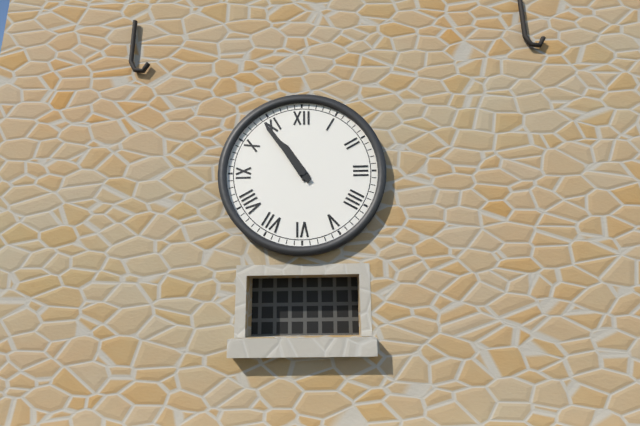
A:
10,54
